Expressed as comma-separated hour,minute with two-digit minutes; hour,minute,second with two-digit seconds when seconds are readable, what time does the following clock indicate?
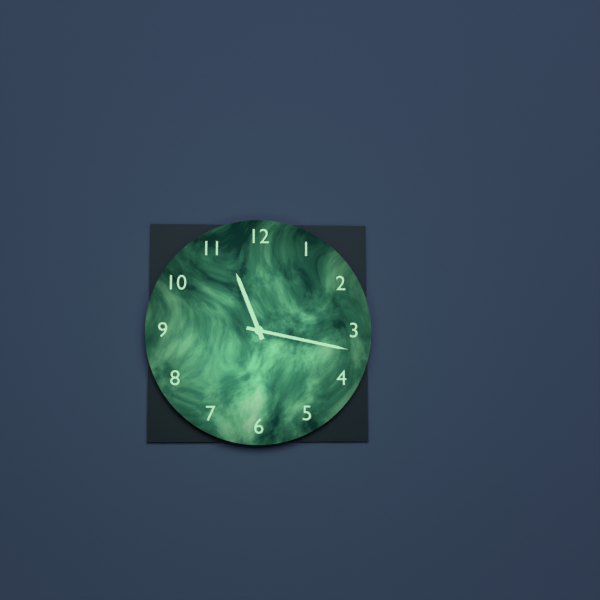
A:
11,17
